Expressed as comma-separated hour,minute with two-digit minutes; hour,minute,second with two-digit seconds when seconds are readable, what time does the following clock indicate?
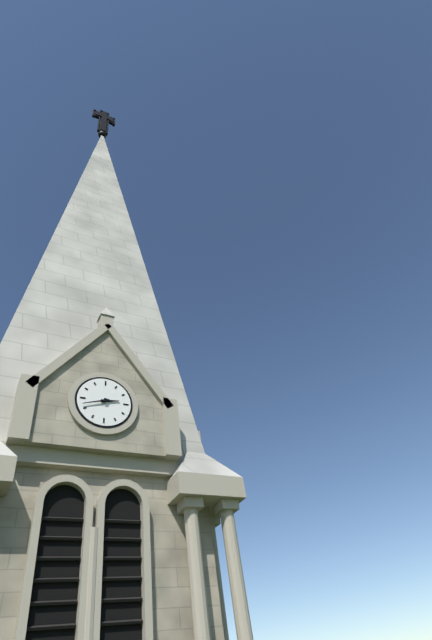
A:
2,42
